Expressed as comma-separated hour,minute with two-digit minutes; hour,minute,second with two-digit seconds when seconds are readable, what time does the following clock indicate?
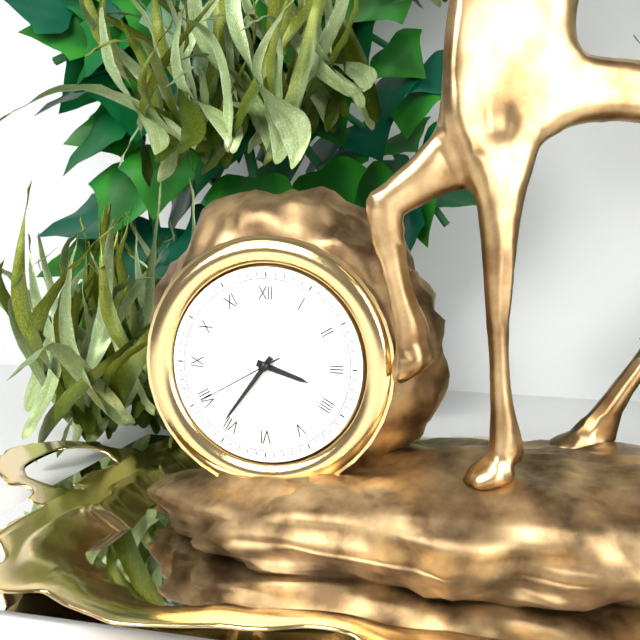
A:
3,36,40
